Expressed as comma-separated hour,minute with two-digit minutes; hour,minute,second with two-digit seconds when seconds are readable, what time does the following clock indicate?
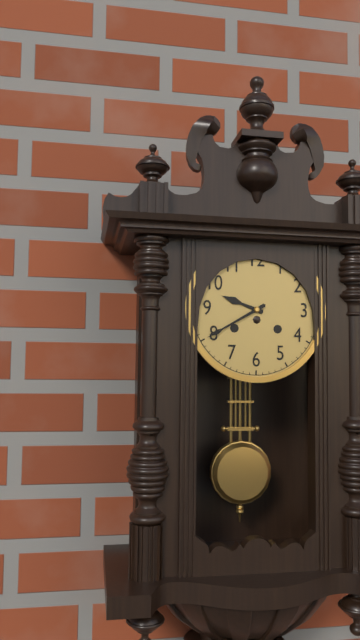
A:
9,40
